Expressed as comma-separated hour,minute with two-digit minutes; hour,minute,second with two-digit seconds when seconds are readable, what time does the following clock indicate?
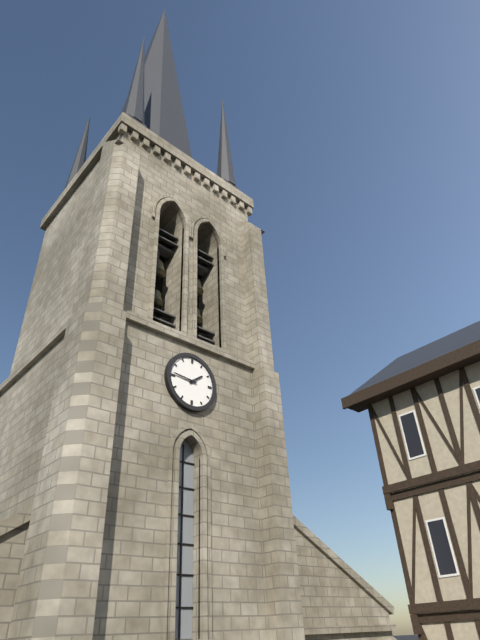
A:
1,46
